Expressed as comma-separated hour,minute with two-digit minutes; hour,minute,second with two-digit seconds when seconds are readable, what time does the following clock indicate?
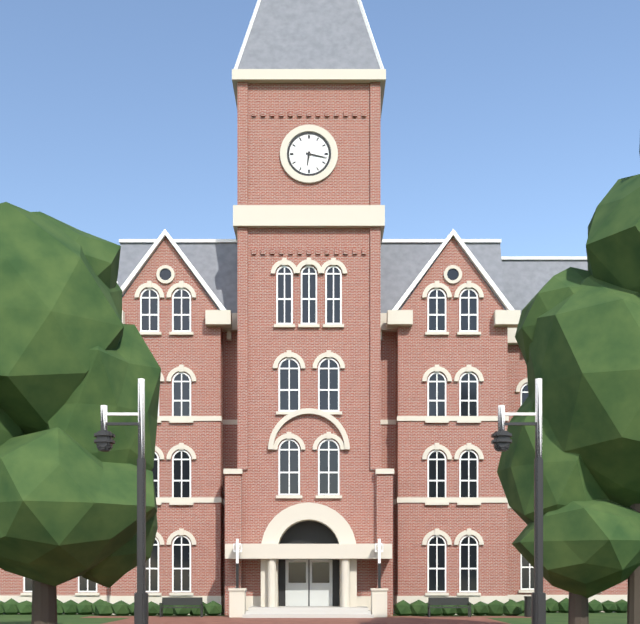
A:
6,17
